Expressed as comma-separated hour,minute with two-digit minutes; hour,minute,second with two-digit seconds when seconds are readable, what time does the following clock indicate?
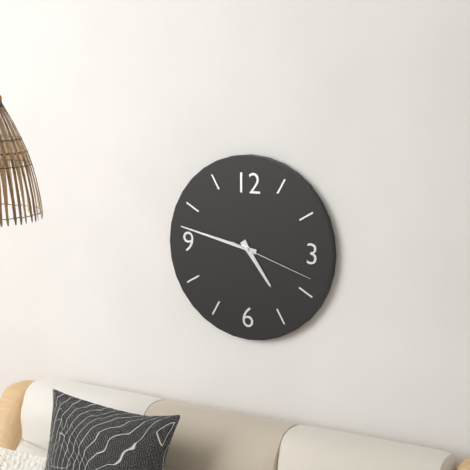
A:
4,47,18
